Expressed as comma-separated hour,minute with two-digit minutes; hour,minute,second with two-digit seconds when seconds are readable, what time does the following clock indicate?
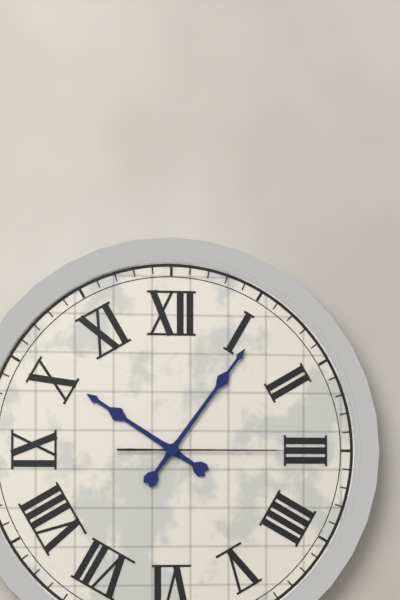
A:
10,06,15
